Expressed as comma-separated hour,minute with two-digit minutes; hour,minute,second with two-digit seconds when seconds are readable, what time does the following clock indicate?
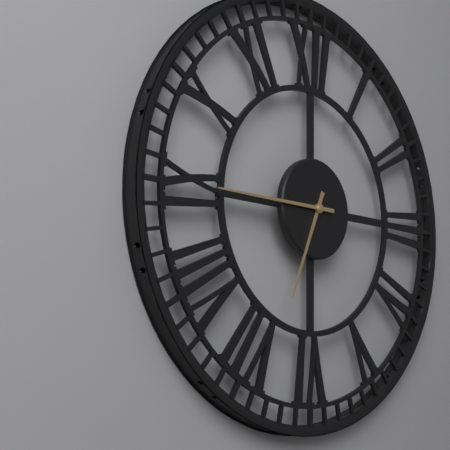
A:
6,45
